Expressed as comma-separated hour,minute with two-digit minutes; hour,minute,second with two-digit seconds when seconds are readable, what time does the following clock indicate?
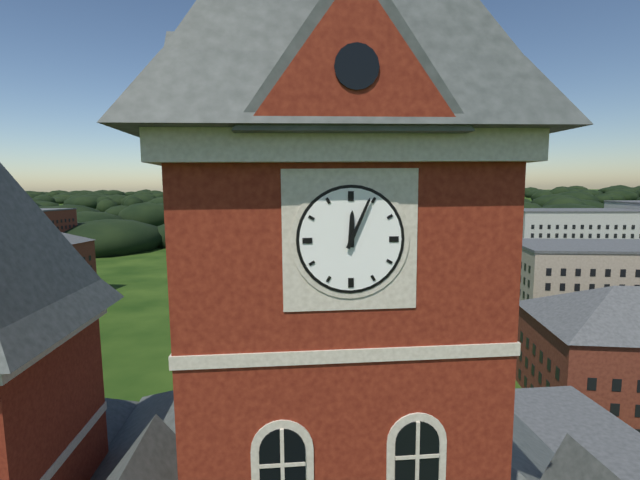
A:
12,04
